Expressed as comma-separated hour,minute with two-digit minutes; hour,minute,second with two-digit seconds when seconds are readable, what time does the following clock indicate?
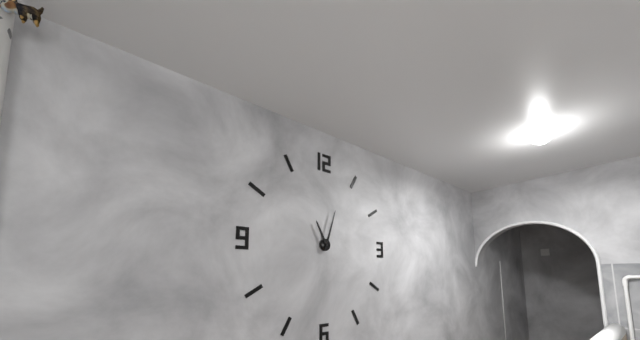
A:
11,03
